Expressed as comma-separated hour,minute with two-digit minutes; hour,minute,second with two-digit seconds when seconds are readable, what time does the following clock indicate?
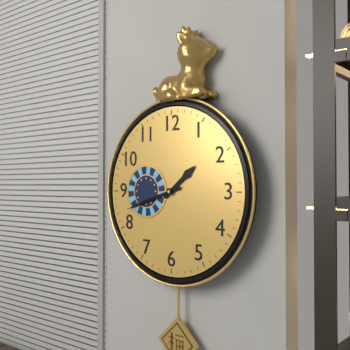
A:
1,42
